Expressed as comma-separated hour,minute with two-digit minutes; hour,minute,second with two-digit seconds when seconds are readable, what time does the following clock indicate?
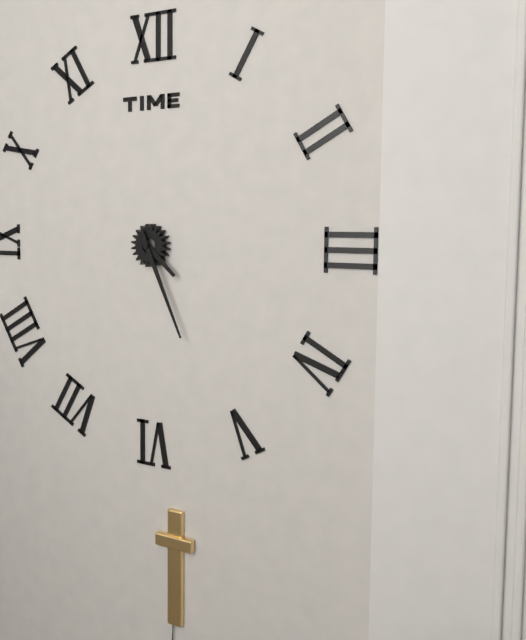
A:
4,26
